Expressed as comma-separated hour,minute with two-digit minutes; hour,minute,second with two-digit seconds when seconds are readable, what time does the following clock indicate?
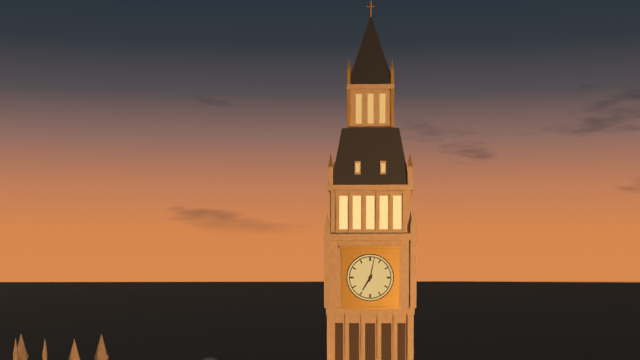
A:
7,02
